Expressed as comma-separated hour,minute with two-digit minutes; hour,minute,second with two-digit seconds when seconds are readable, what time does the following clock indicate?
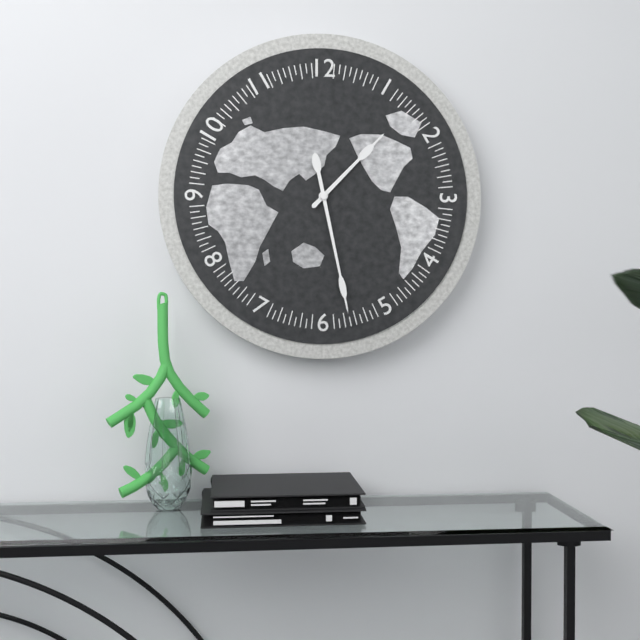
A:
1,28
